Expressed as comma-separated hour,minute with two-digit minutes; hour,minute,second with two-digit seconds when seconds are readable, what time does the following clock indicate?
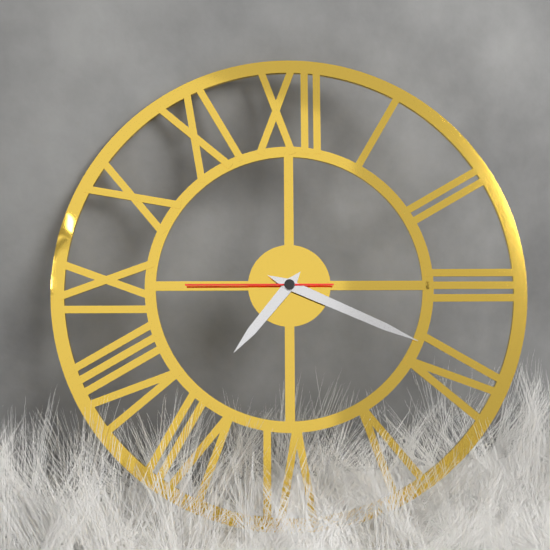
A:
7,19,45
